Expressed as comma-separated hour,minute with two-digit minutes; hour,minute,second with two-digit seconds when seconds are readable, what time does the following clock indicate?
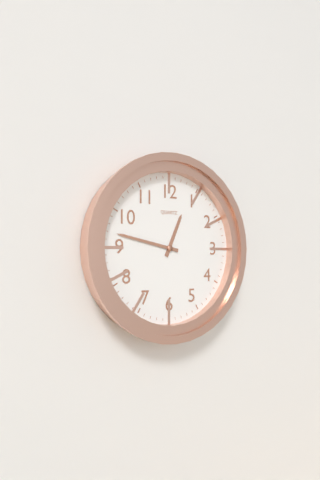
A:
12,47
